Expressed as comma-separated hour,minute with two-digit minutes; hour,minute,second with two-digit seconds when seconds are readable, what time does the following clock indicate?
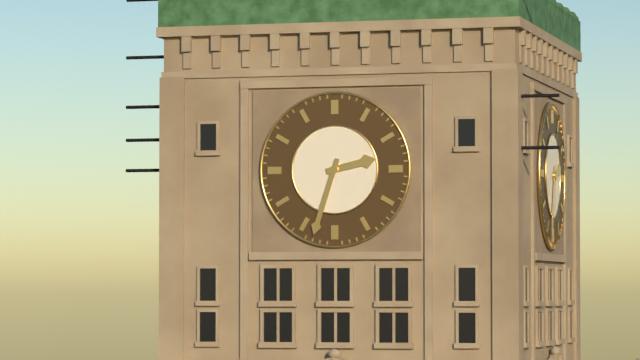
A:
2,33
